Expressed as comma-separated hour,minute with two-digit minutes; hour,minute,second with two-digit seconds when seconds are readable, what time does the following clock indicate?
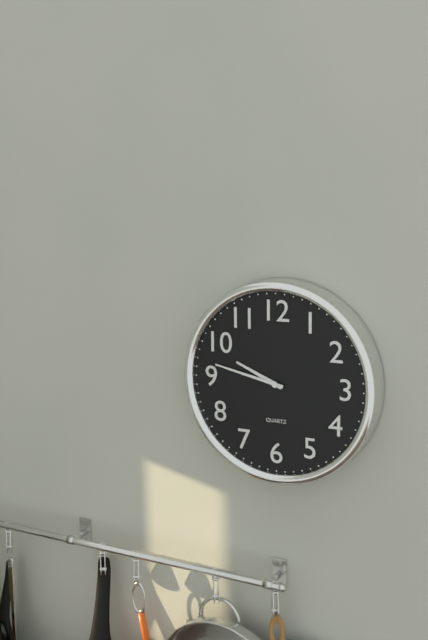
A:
9,47
